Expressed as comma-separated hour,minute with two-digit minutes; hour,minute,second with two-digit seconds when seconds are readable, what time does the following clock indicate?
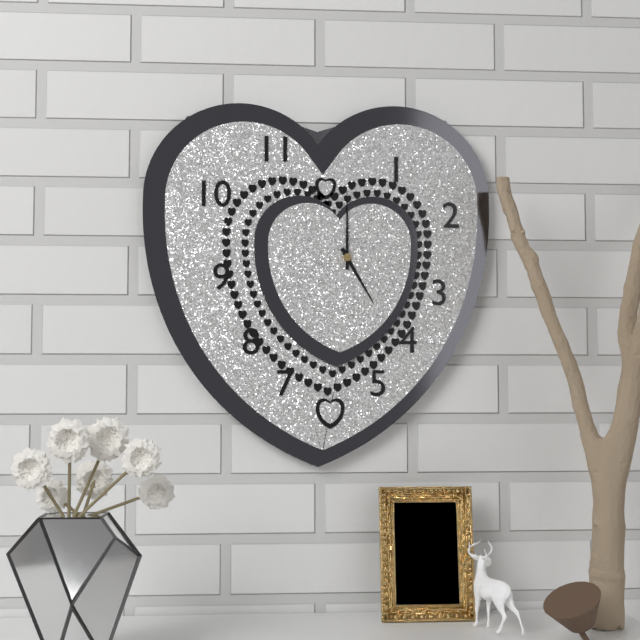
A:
5,00
